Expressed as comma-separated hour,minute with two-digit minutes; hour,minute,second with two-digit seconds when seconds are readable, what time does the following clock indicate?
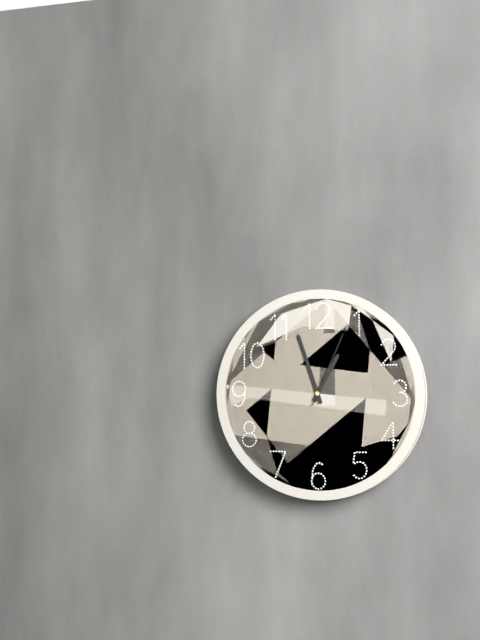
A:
12,57,04
